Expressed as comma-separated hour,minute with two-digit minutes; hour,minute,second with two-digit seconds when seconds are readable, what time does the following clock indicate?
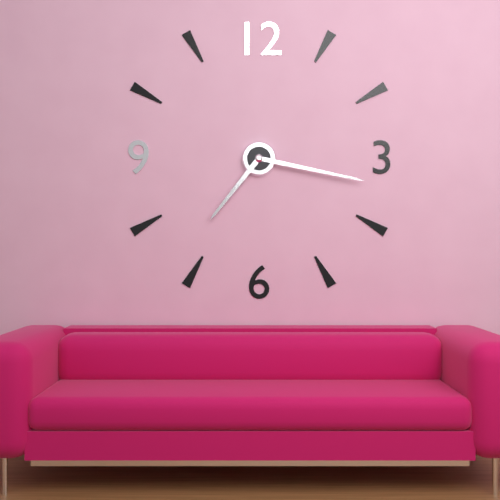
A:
7,17
